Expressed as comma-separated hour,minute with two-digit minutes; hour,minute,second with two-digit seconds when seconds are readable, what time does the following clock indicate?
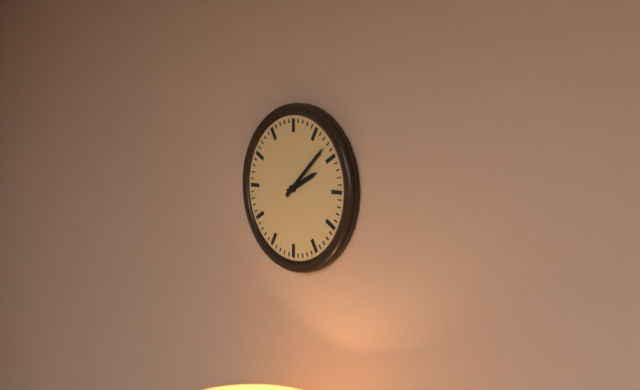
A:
2,08
